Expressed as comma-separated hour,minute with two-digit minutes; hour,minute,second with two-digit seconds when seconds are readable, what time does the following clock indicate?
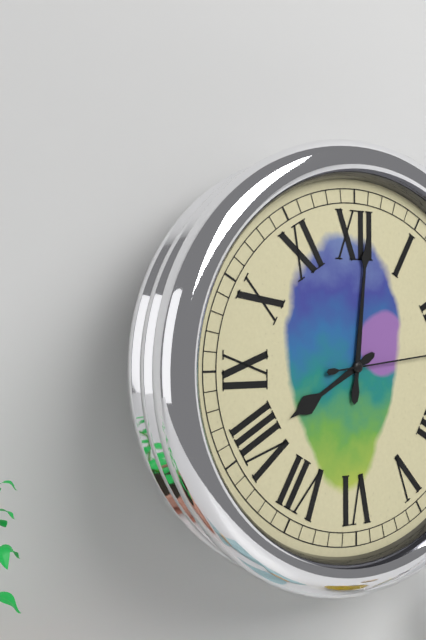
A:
8,01
